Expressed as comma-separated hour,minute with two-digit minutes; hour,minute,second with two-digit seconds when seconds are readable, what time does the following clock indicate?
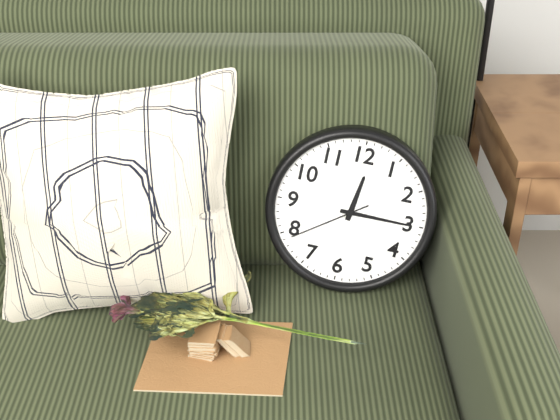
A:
12,15,39
